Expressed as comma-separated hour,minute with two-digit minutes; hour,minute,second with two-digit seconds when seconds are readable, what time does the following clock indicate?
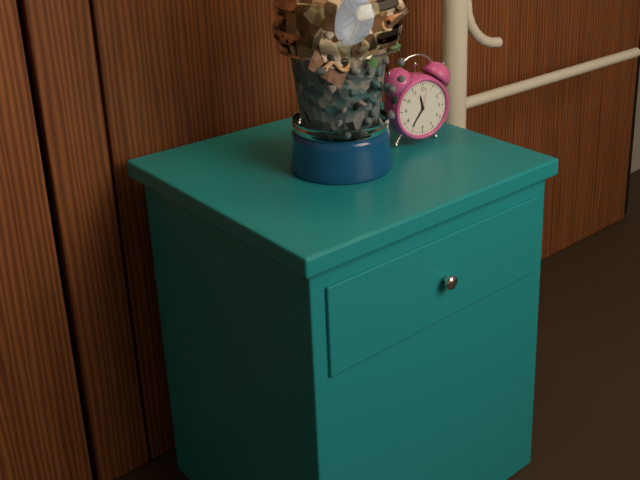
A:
11,36
